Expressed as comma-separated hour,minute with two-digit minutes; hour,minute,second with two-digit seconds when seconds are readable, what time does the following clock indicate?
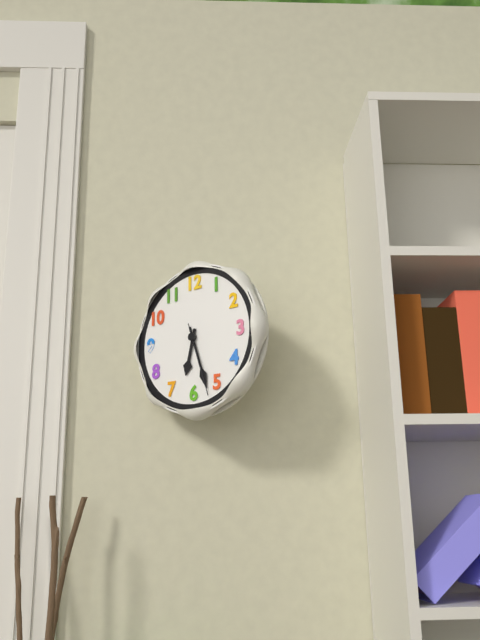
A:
6,27,27
